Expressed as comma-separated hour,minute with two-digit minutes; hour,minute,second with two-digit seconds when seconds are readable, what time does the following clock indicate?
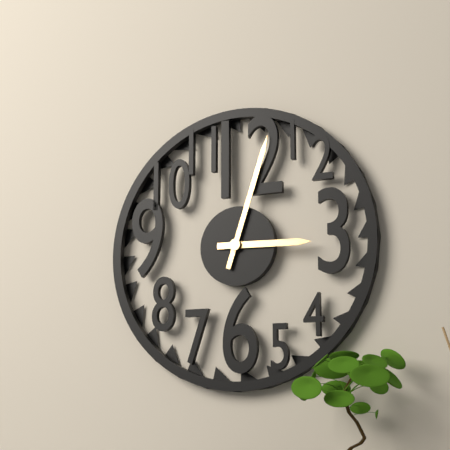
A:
3,03
